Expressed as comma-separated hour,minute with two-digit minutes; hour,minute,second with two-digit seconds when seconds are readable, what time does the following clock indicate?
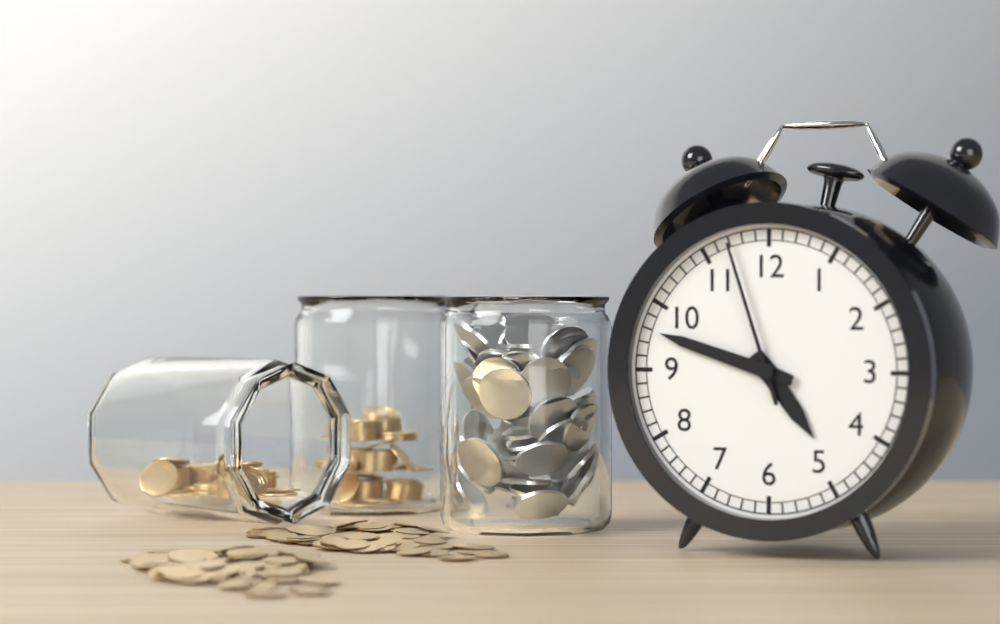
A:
4,48,57
